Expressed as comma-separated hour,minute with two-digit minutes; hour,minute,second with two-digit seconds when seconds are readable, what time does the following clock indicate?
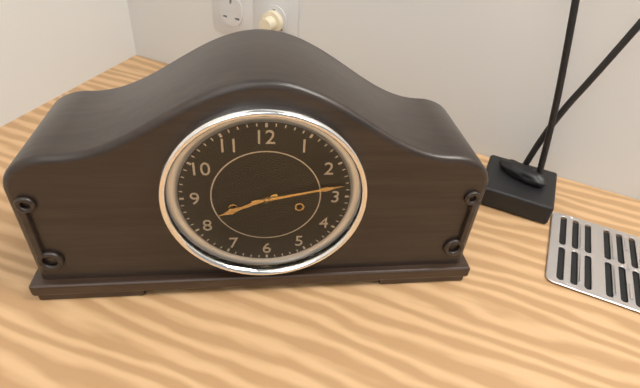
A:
8,13
